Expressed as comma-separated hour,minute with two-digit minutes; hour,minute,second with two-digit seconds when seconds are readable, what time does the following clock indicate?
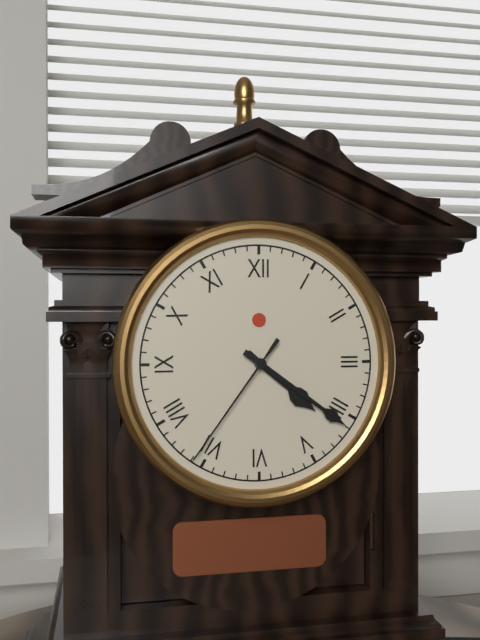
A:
4,21,36
